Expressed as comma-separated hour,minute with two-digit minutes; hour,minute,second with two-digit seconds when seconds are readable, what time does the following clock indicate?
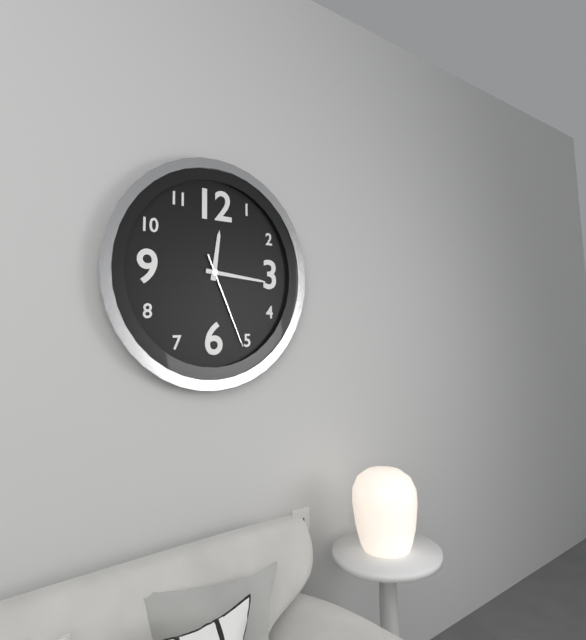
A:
12,16,26
